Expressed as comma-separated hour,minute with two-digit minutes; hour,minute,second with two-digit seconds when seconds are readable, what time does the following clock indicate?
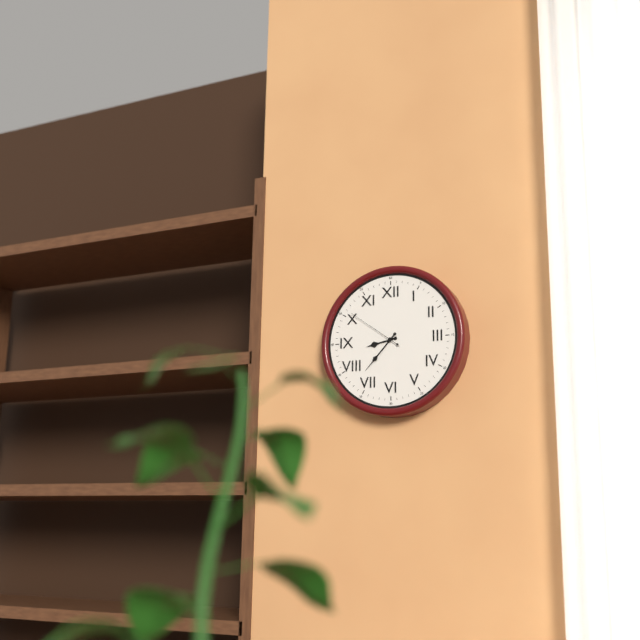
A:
8,37,51
